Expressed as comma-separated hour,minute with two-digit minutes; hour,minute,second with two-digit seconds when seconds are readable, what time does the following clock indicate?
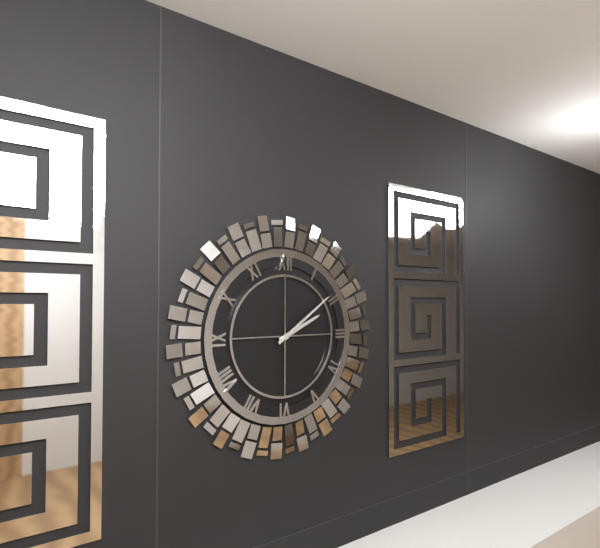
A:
2,09
